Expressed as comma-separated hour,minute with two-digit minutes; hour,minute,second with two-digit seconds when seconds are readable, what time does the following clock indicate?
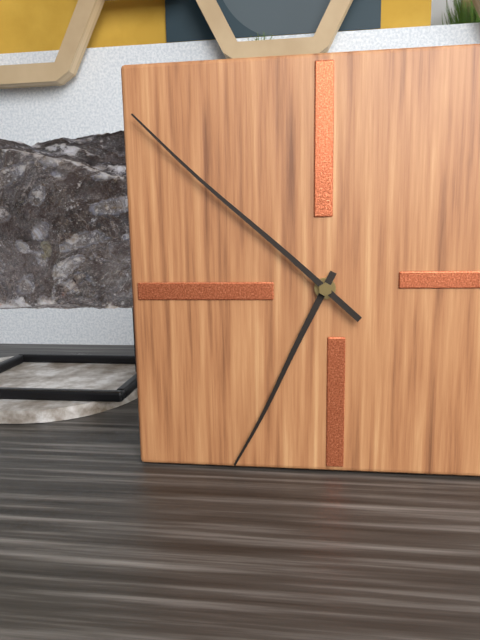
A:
6,52
